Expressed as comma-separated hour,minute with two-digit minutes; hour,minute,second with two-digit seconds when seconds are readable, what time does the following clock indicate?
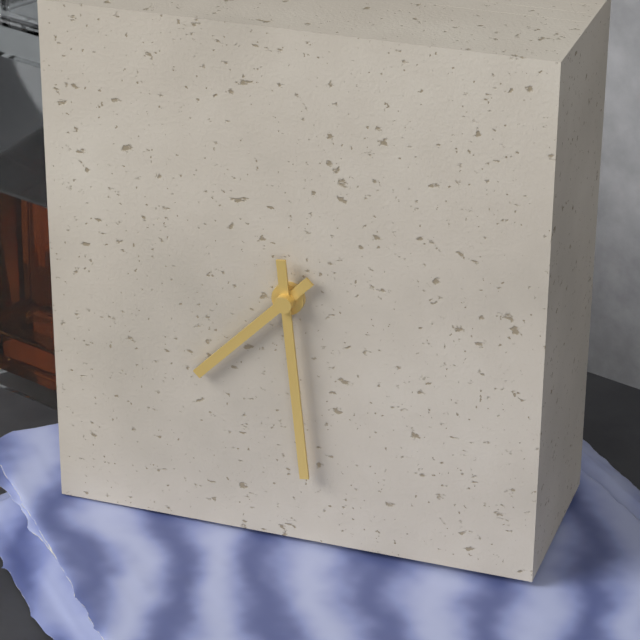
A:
7,29
